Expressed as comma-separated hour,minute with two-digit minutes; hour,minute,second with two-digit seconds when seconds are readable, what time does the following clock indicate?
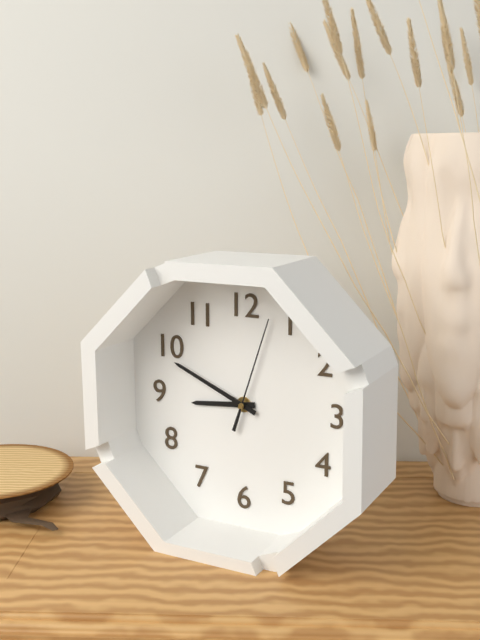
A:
8,49,03
